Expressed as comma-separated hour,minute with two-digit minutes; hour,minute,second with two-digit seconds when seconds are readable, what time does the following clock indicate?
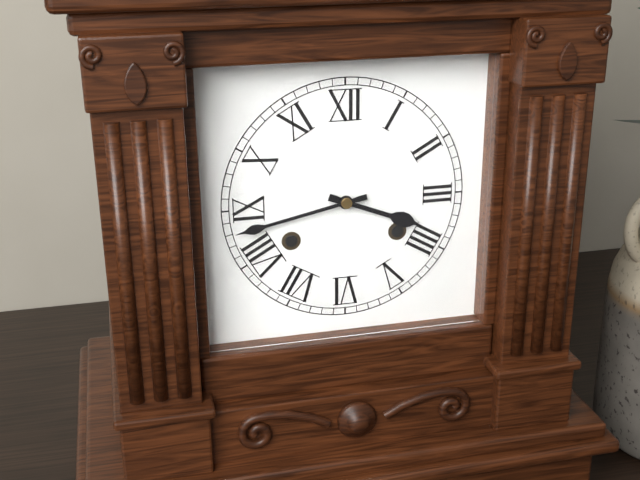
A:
3,43
